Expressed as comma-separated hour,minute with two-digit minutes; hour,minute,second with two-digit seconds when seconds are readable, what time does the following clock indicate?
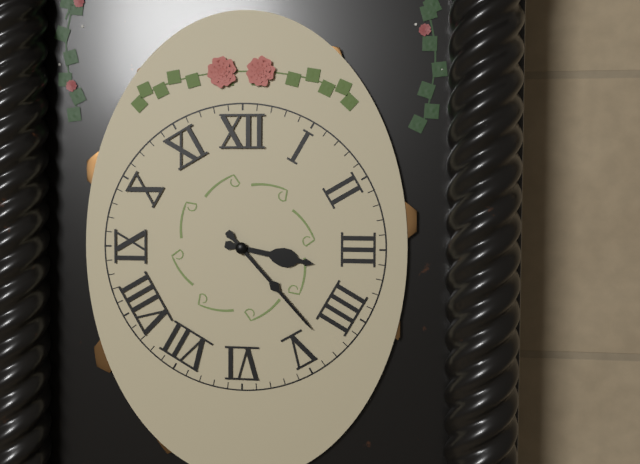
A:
3,23
